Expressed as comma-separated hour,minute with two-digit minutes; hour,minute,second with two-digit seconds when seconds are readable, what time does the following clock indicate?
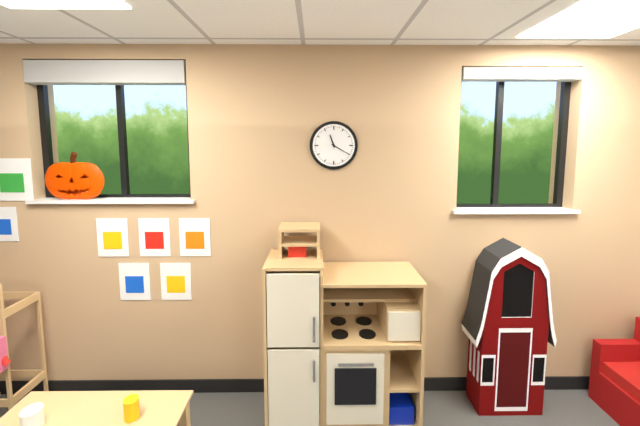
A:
11,20
